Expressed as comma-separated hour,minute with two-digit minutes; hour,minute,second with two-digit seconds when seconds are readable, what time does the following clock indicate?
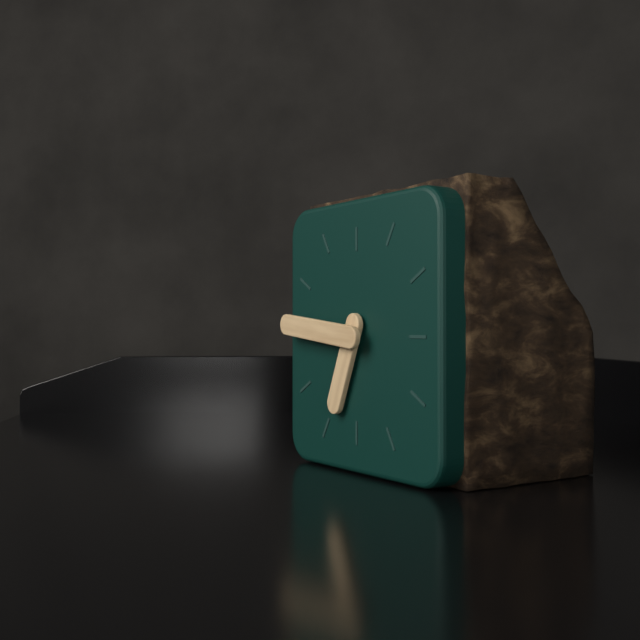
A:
6,46
